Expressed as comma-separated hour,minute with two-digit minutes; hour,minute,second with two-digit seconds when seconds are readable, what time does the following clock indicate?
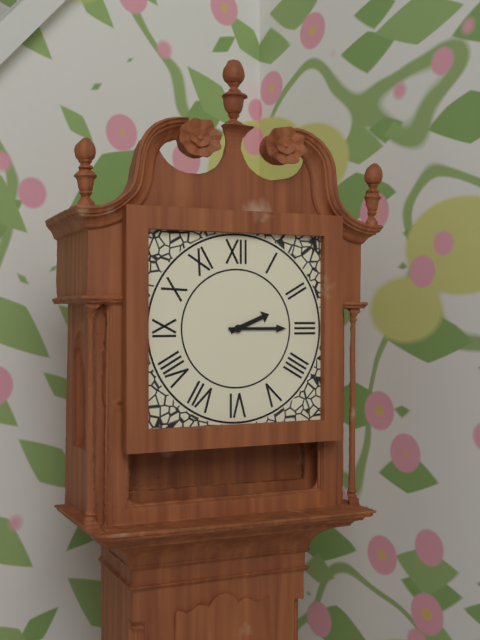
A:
2,15
